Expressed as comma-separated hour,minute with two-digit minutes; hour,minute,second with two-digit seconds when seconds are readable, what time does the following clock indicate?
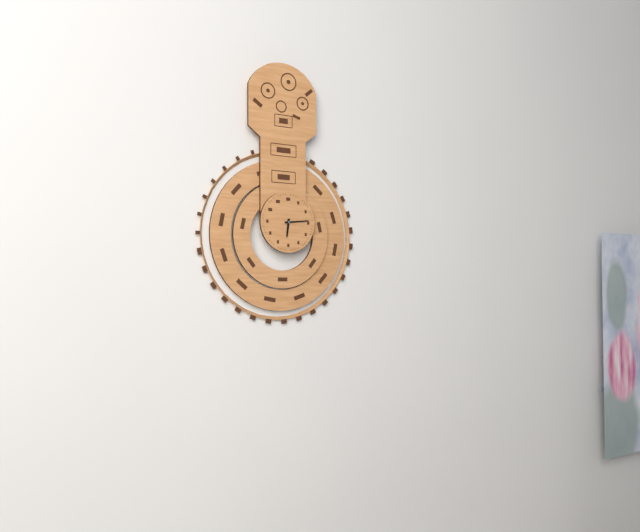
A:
6,14
